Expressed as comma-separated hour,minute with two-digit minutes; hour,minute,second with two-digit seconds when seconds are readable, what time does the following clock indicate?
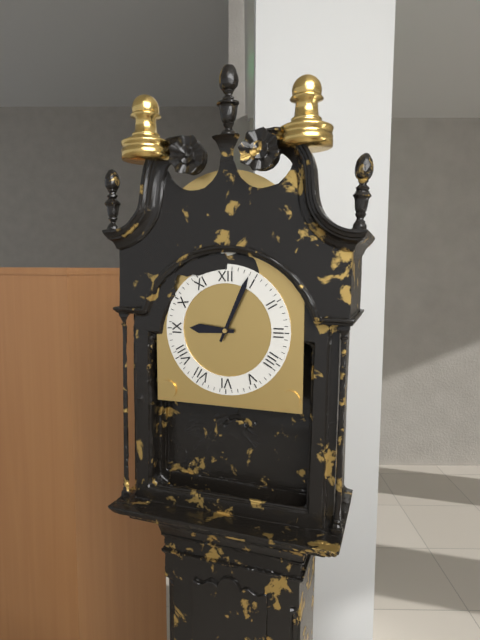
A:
9,04
